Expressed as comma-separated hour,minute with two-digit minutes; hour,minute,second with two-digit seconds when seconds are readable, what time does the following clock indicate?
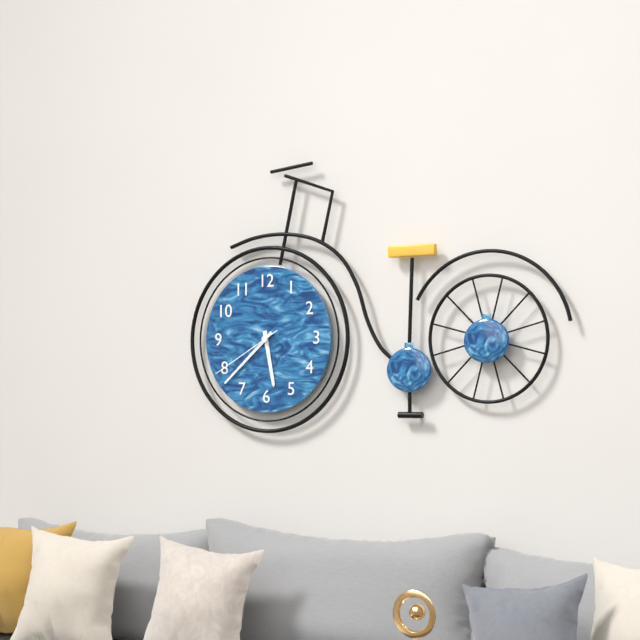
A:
5,38,40
